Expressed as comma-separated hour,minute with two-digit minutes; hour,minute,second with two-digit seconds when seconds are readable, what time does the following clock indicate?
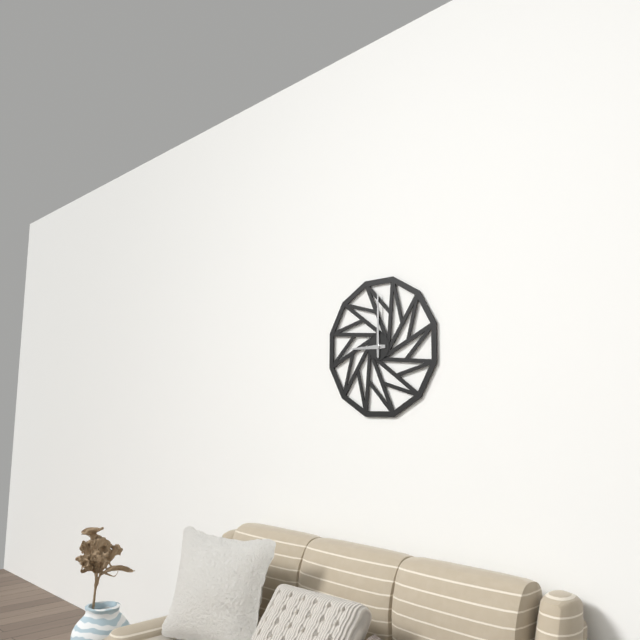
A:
9,00
